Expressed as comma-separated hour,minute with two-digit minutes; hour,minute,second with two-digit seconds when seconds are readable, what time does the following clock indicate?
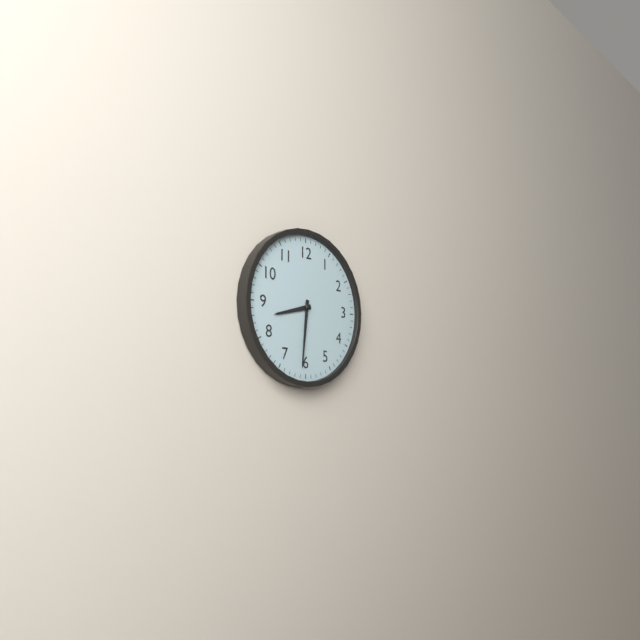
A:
8,31
